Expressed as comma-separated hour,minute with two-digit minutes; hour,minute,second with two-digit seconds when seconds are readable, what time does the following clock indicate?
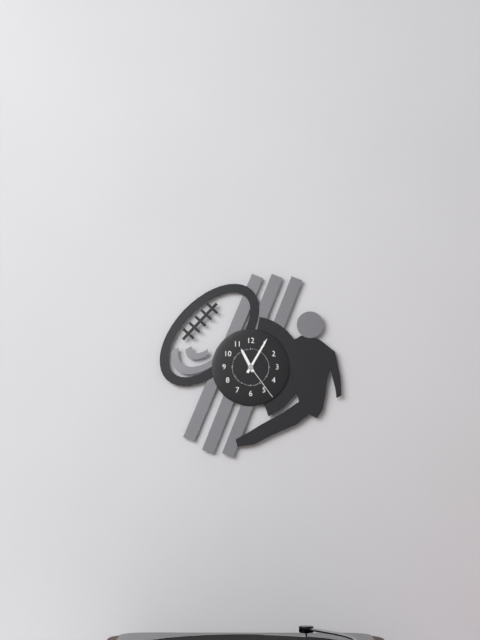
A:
11,05
